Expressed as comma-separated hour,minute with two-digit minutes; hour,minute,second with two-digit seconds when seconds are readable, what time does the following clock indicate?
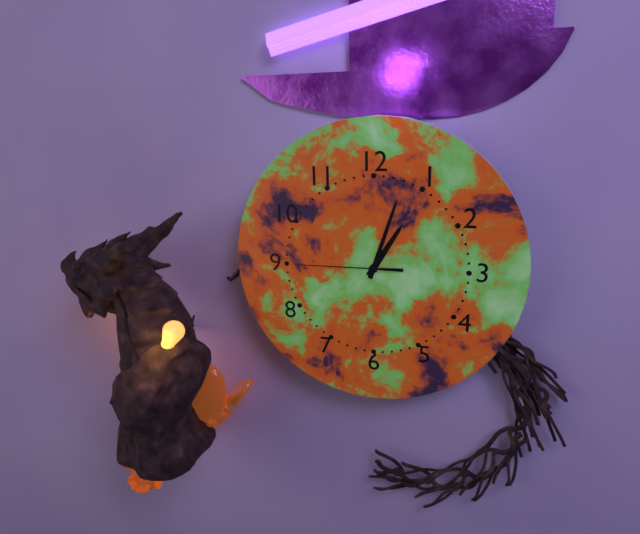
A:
1,03,45
